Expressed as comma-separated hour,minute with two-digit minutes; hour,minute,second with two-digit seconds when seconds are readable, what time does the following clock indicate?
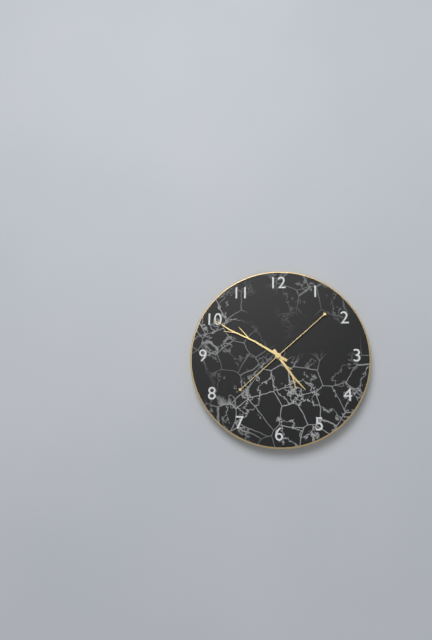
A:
4,50,08
